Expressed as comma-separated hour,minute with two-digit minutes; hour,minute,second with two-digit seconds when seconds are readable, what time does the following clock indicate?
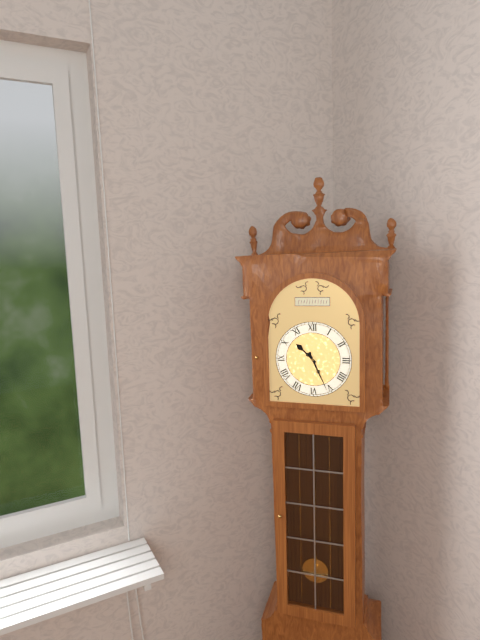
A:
10,26
